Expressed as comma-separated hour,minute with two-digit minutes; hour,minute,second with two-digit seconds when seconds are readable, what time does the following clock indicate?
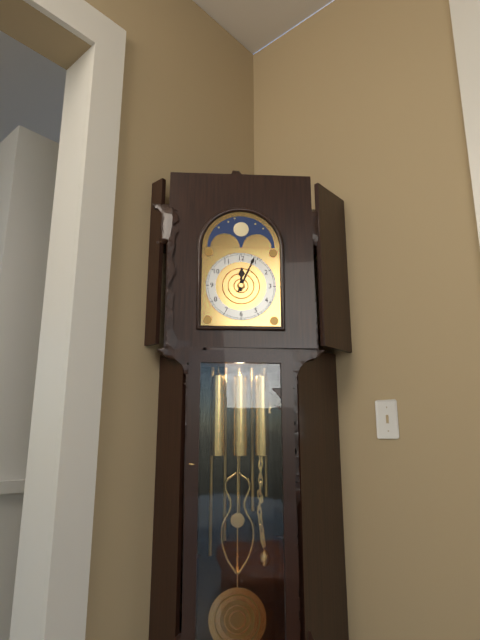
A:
12,04
